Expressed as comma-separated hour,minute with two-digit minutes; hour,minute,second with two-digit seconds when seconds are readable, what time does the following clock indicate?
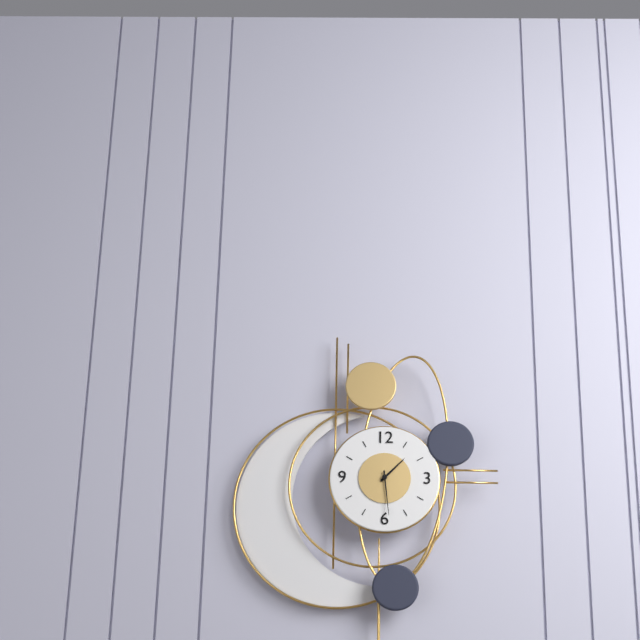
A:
1,29
